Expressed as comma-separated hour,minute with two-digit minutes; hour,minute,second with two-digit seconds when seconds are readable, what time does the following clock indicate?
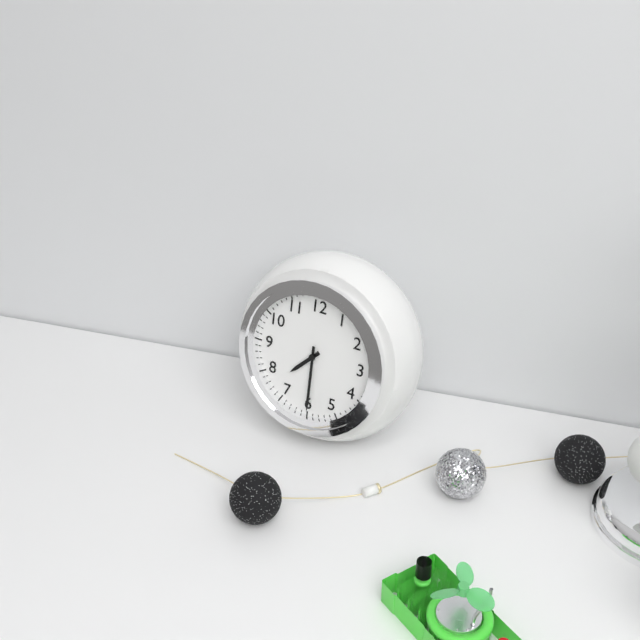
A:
7,30
